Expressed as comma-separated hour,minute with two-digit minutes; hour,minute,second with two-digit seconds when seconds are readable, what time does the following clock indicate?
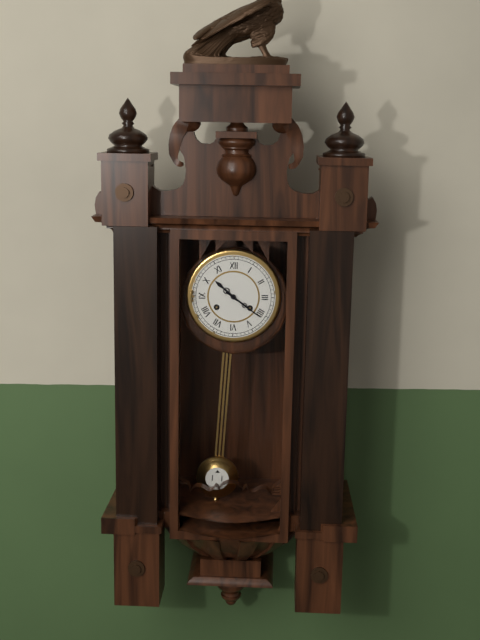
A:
10,21
